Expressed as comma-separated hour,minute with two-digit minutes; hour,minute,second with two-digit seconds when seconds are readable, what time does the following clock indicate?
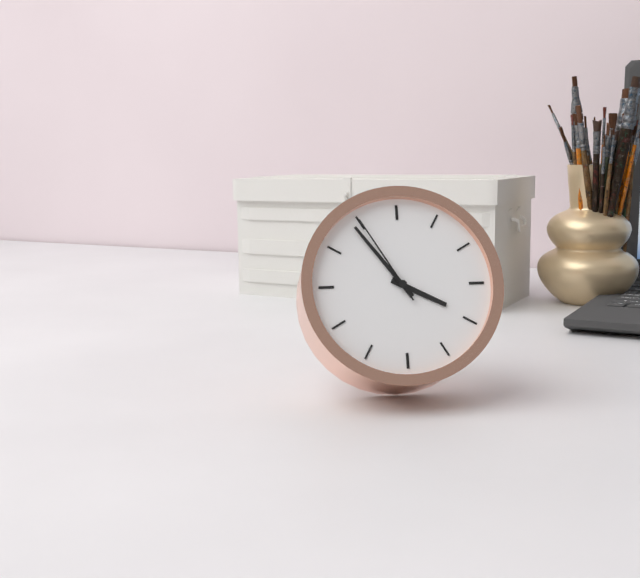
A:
3,54,55
